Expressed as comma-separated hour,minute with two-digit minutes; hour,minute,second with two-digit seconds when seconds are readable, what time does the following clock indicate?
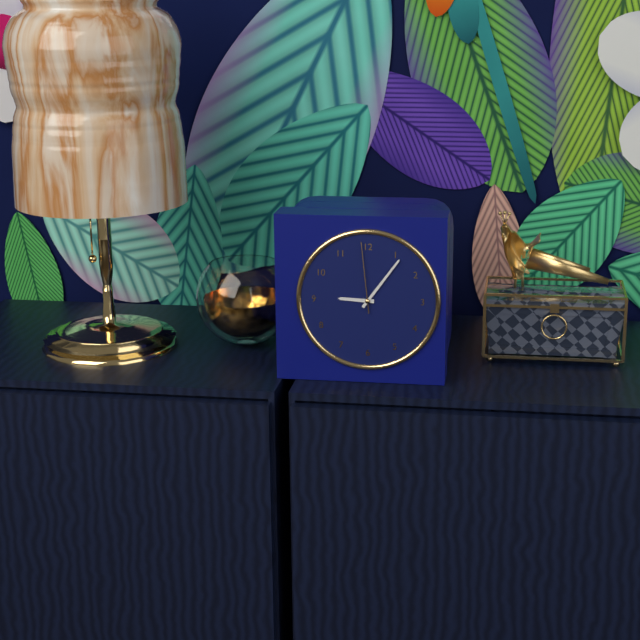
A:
9,06,59
